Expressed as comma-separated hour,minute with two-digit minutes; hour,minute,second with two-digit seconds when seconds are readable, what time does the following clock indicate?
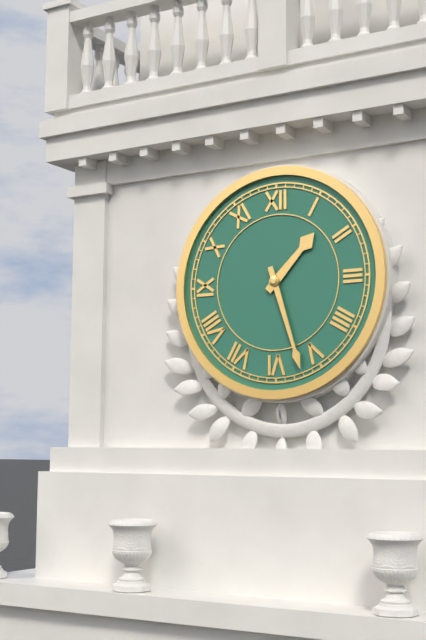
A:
1,27
